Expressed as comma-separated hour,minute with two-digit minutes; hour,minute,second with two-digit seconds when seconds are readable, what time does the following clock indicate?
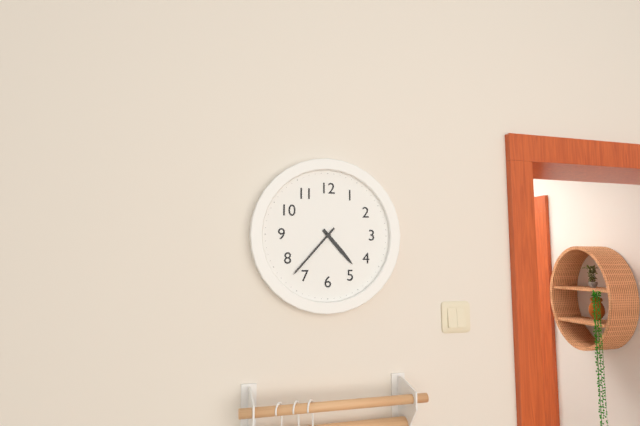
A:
4,37
